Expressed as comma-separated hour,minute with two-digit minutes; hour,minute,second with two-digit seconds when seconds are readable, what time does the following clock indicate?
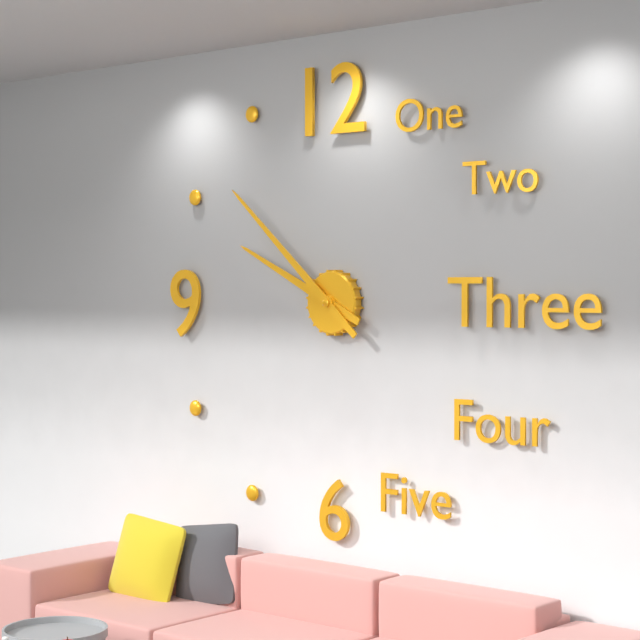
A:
9,52
